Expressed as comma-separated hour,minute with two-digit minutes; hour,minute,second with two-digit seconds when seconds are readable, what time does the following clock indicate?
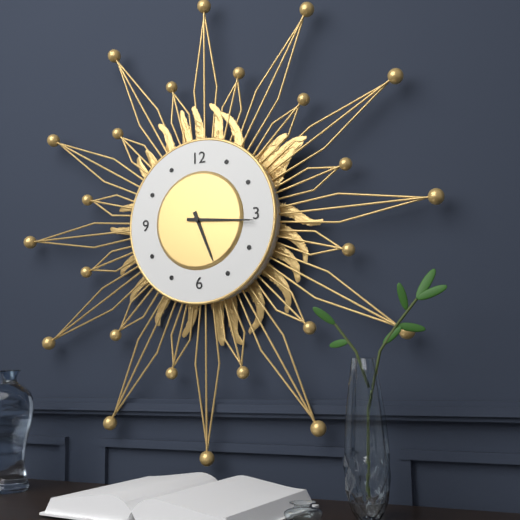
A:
5,16
